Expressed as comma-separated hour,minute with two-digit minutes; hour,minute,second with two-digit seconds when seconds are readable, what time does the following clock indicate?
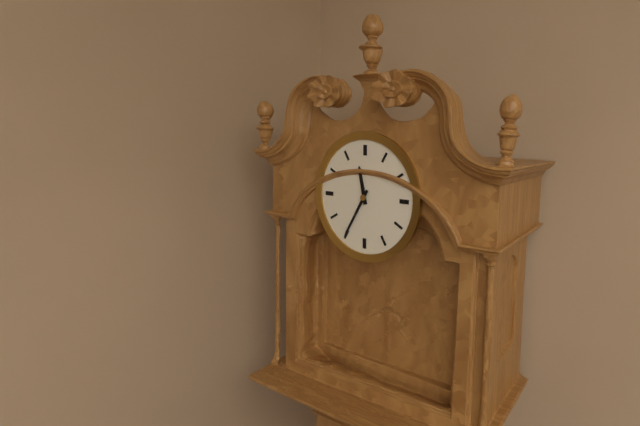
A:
11,35
